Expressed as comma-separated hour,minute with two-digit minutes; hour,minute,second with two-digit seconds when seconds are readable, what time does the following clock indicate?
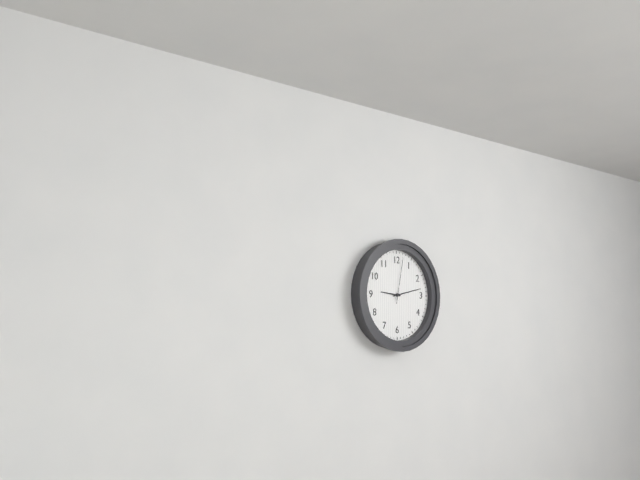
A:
9,13
